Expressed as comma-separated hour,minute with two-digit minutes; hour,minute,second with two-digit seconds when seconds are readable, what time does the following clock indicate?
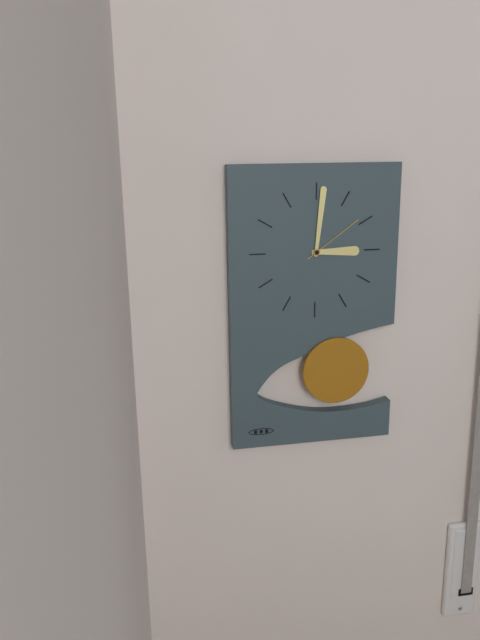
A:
3,01,09
